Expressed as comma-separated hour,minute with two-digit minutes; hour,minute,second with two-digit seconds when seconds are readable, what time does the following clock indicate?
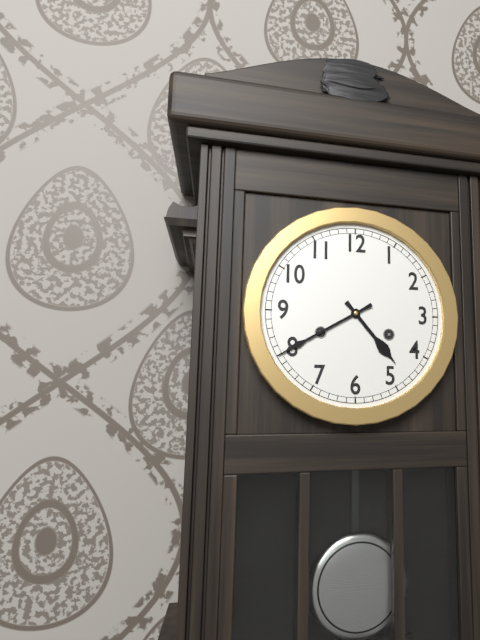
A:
4,40
